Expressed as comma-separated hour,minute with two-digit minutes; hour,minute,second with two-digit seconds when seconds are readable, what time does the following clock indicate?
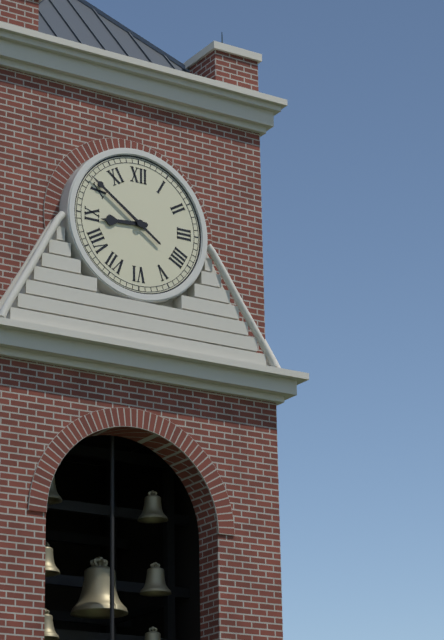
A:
8,51
